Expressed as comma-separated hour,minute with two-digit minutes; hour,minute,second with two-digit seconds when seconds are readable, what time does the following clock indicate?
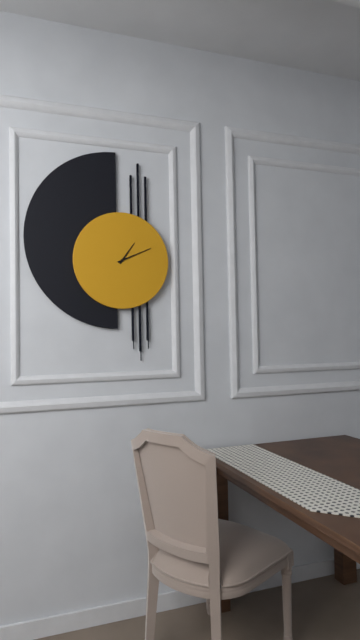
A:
1,11
